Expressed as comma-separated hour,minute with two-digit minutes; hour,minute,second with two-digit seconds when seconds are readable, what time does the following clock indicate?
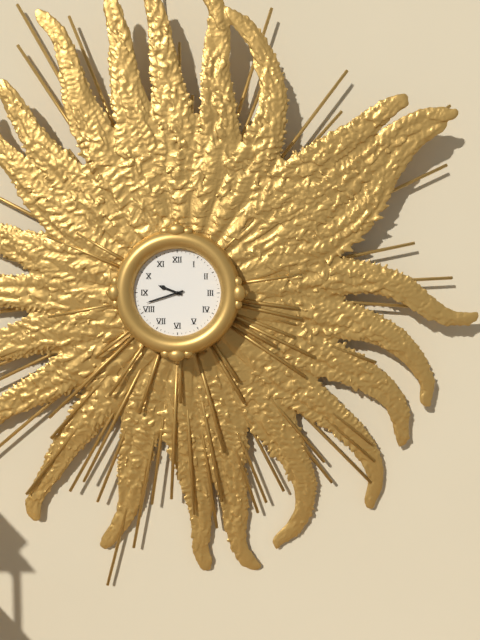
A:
9,42
